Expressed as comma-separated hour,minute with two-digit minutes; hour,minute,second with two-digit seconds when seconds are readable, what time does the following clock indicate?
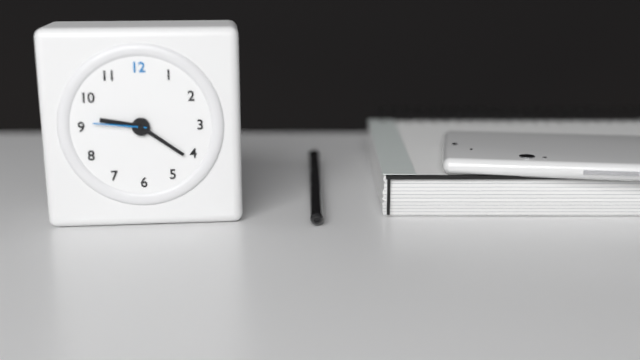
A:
9,21,46
